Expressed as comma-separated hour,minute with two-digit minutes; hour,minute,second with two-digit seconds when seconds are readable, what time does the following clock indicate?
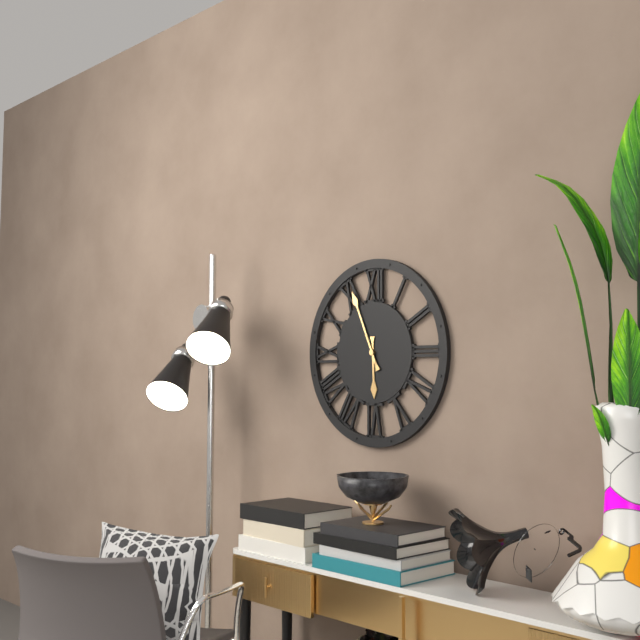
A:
5,56
